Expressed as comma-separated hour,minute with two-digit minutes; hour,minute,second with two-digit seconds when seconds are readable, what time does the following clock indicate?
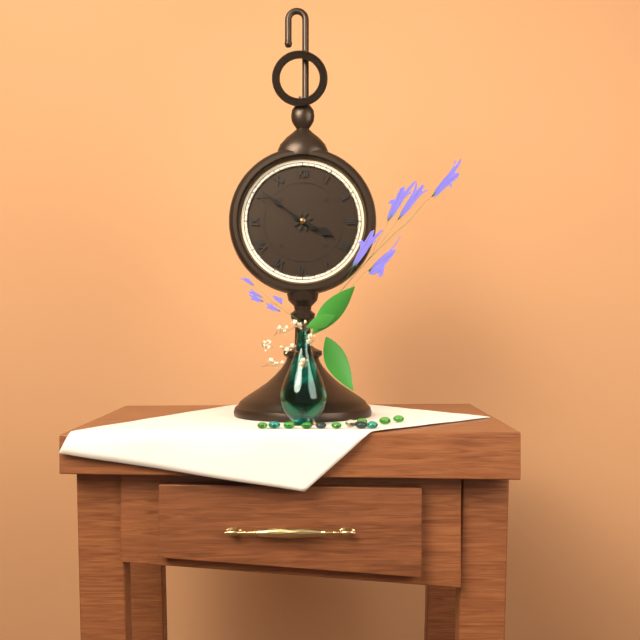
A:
3,51
